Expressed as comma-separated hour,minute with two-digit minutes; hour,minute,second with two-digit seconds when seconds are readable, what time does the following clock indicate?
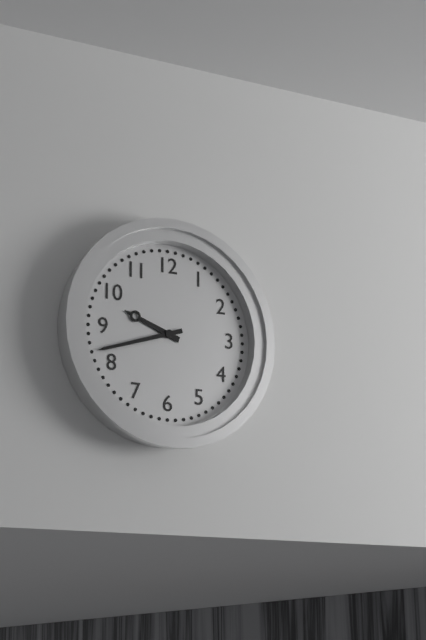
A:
9,42
